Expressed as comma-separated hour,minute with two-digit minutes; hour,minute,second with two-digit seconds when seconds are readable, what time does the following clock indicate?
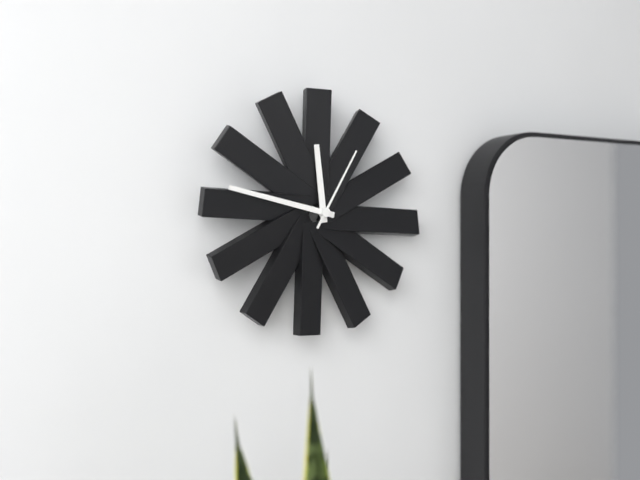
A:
11,47,05
